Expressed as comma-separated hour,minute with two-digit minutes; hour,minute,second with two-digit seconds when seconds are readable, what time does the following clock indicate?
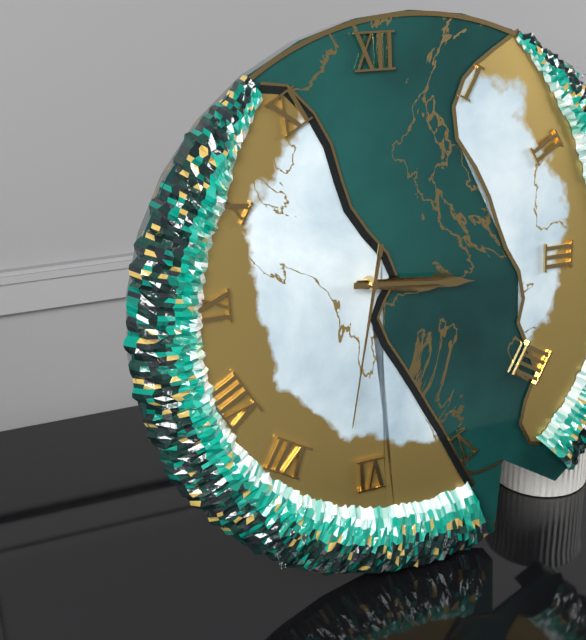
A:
3,16,32
